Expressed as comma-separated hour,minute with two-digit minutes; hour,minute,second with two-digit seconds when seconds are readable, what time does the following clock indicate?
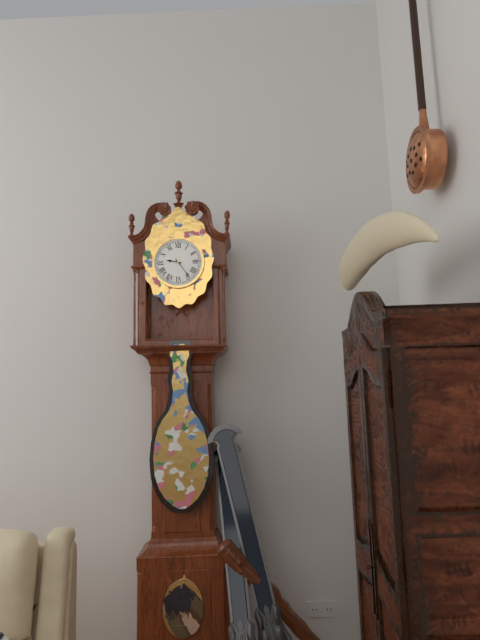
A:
9,24
